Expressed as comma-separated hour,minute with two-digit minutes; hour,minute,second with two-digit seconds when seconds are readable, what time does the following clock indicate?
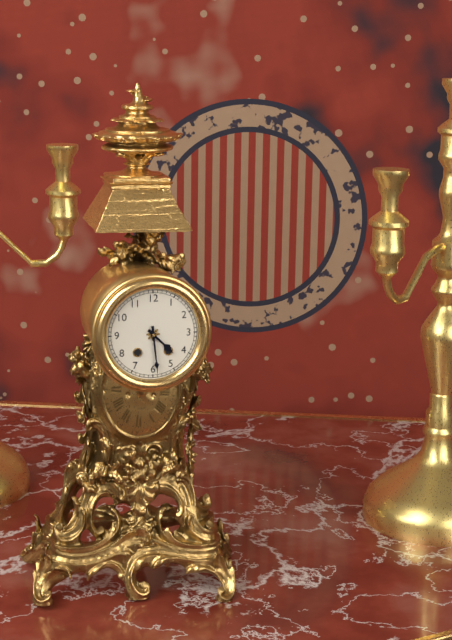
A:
4,29
